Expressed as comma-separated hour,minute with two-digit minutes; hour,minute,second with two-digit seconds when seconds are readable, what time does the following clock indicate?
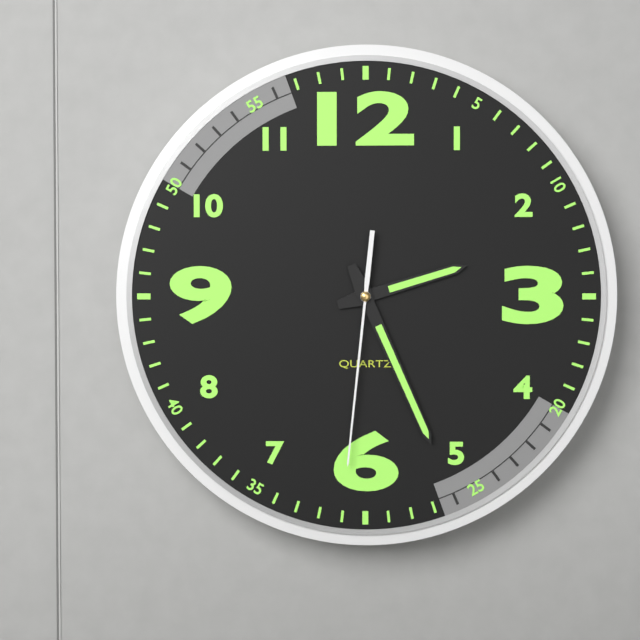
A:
2,26,31
